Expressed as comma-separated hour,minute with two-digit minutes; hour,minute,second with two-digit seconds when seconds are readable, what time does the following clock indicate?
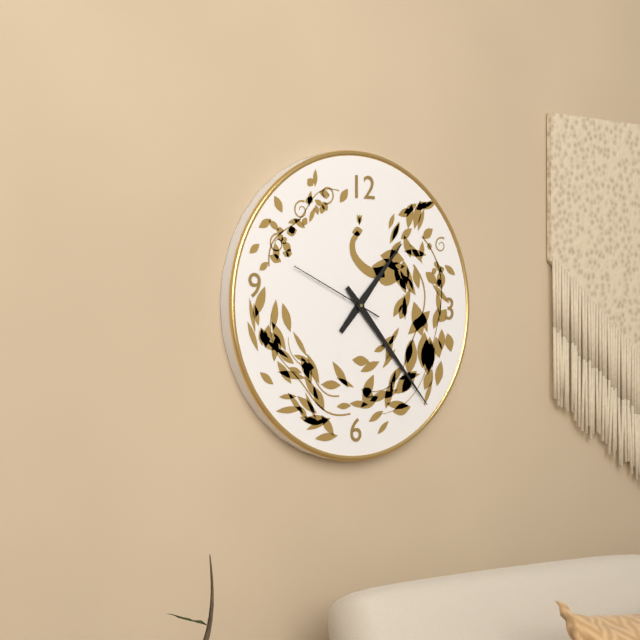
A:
1,23,49
